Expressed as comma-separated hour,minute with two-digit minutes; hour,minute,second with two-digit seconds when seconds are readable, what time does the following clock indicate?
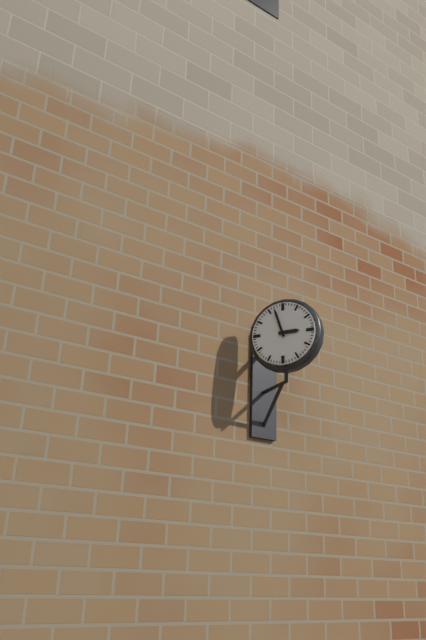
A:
2,57
